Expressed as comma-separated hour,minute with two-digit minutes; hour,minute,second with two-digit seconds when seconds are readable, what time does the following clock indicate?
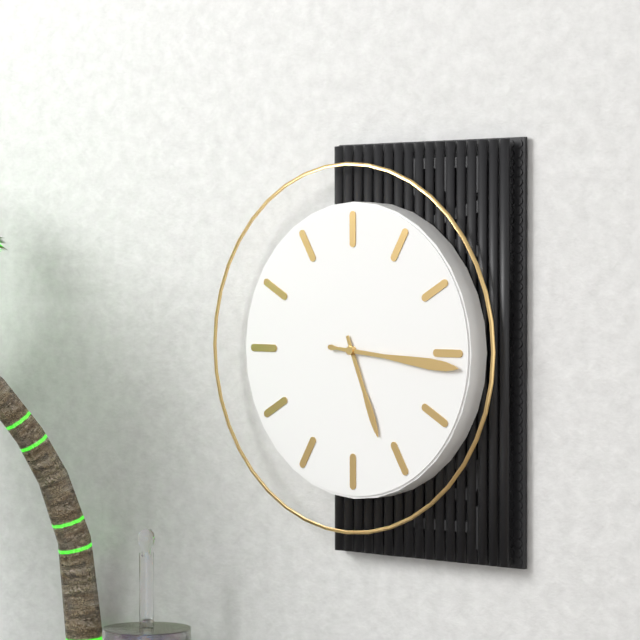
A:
5,16
